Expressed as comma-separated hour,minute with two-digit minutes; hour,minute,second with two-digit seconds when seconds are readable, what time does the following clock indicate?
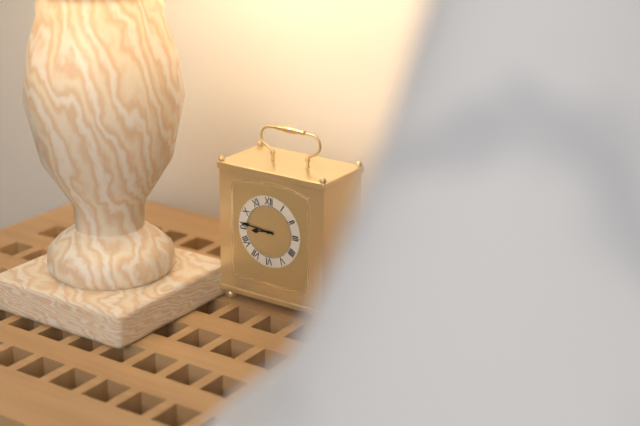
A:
8,46
